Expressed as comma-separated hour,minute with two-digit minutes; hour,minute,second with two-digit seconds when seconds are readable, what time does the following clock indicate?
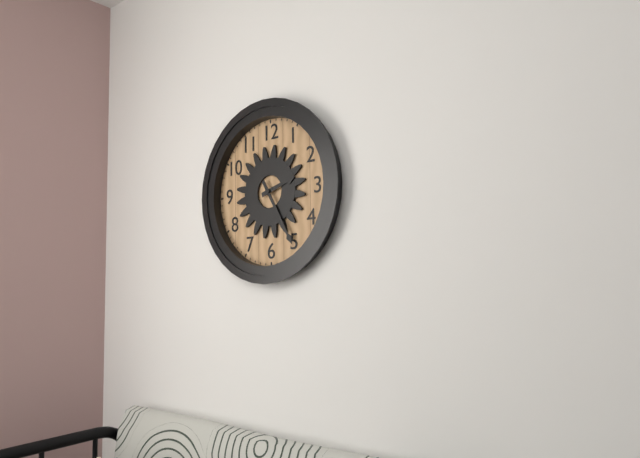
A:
2,25
